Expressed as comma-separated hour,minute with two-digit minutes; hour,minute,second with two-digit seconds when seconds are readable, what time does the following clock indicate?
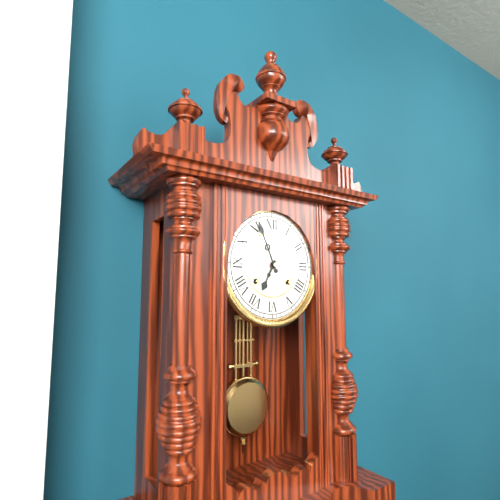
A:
6,56
